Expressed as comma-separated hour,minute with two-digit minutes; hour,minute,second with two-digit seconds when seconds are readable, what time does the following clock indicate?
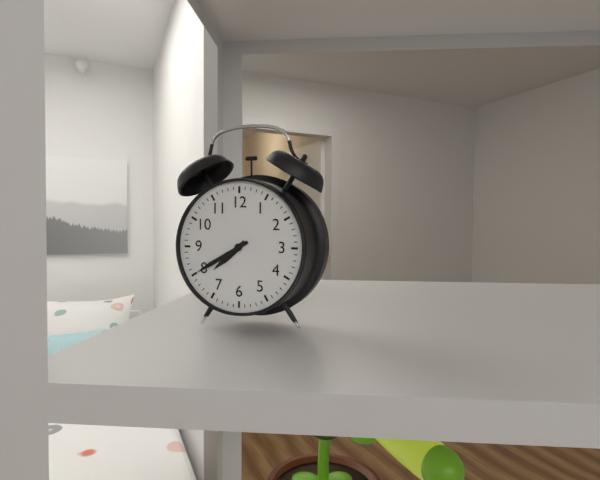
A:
7,40
